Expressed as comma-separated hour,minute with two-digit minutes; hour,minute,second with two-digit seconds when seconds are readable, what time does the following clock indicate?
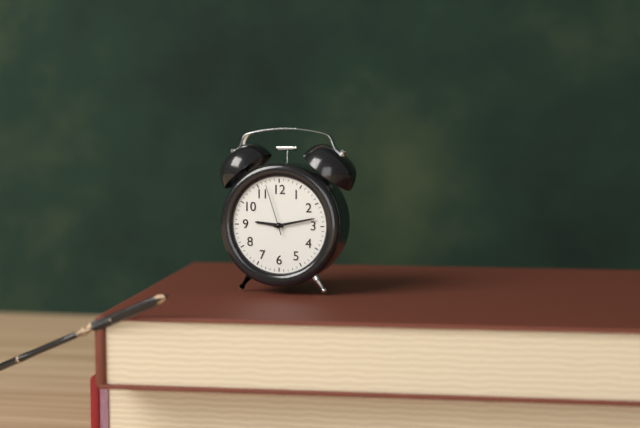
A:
9,13,57
